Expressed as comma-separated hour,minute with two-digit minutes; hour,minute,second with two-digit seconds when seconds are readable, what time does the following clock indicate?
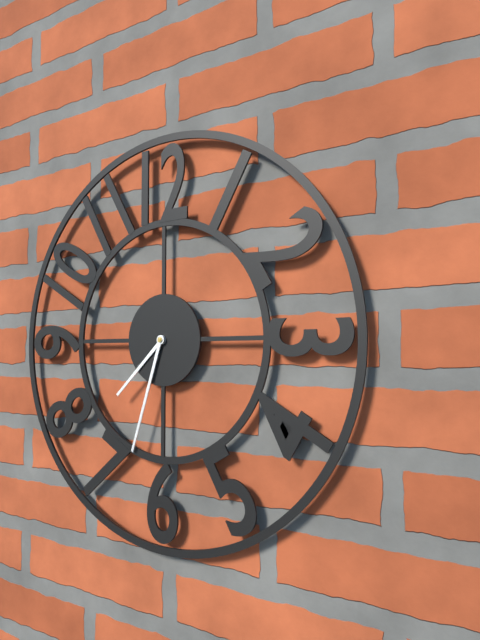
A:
7,33
